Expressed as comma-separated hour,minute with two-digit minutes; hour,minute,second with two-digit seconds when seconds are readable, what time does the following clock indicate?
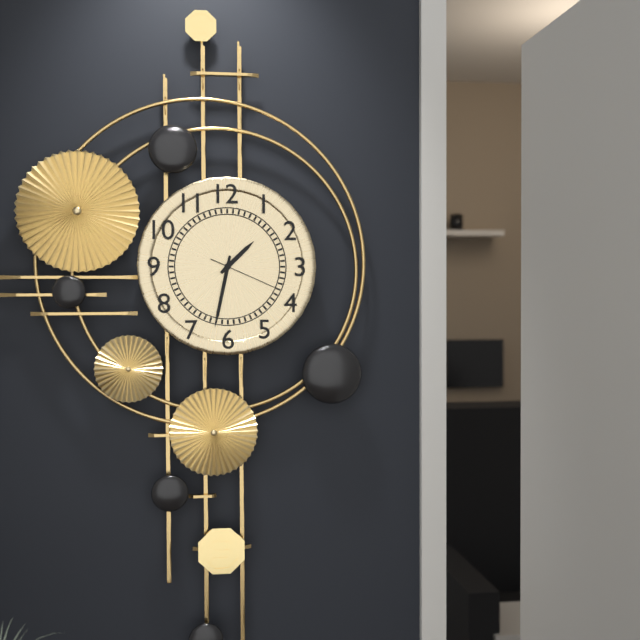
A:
1,32,19
